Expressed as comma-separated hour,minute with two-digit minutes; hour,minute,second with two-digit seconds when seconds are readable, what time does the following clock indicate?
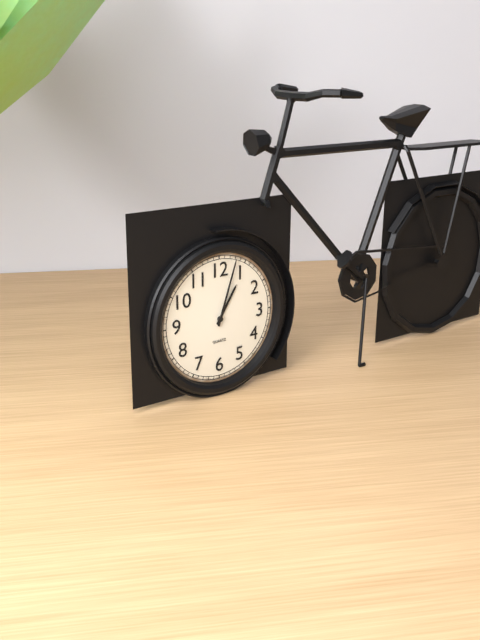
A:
1,03
